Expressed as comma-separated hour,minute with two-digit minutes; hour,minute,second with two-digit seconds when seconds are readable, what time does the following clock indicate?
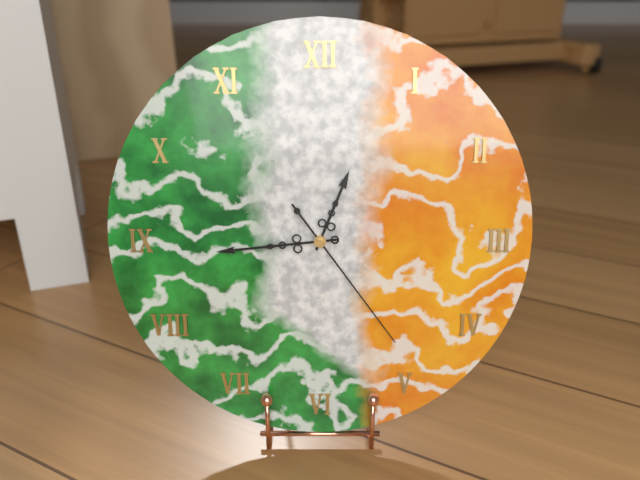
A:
12,44,24
